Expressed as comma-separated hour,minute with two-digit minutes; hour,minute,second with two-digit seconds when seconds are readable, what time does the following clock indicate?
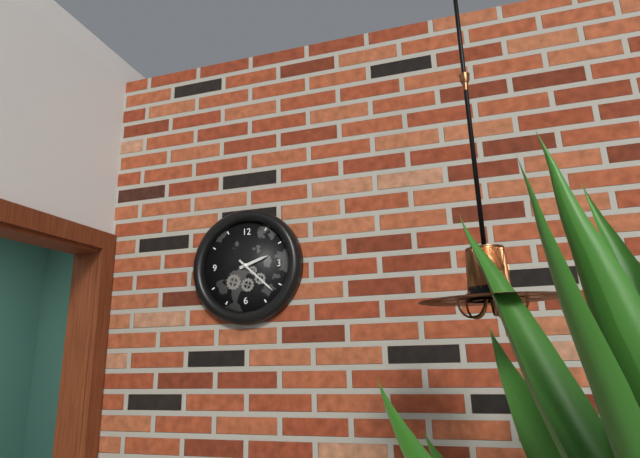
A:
2,22
